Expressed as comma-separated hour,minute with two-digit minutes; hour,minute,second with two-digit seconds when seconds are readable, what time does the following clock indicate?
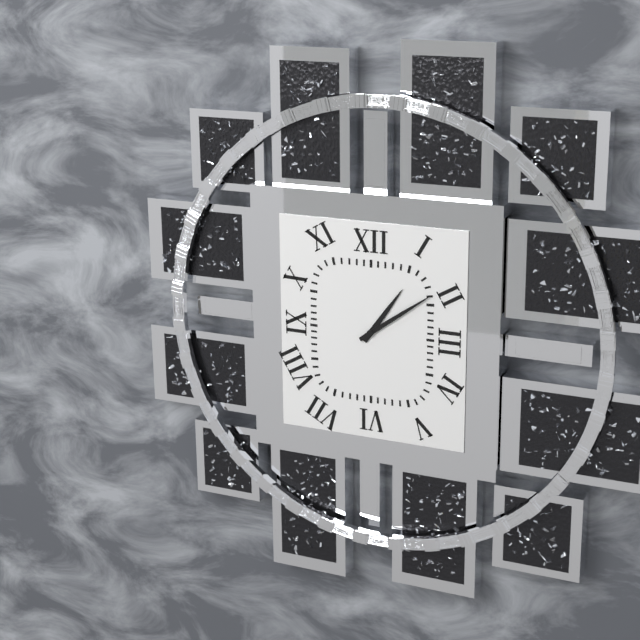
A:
1,09
